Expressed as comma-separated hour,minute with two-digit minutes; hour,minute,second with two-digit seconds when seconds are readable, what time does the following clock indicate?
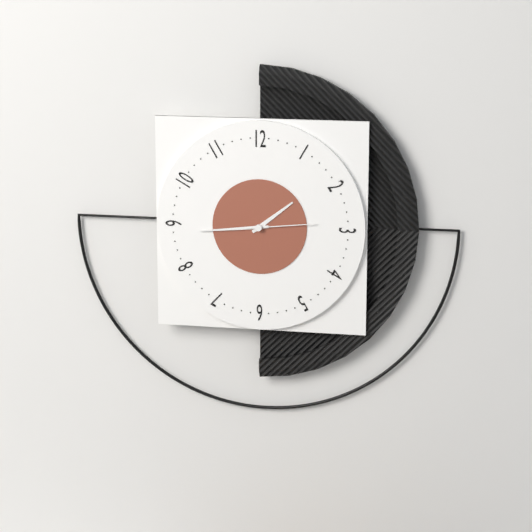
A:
1,44,14
